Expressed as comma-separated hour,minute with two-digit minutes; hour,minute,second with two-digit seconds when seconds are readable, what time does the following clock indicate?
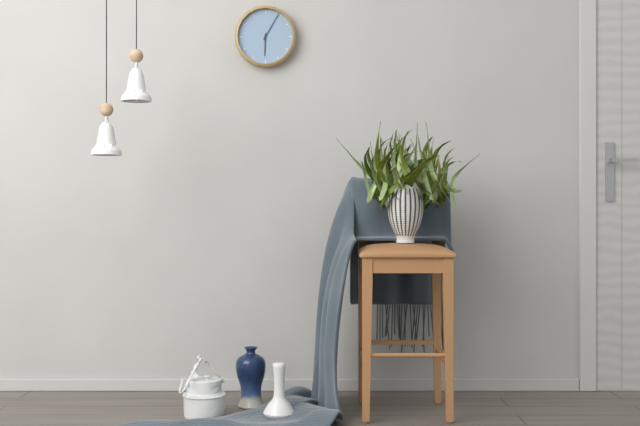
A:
6,05
